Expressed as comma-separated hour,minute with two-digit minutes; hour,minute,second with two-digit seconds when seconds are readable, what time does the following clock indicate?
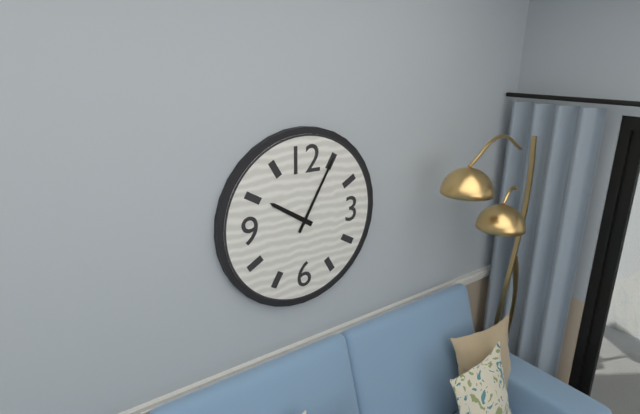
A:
10,05
